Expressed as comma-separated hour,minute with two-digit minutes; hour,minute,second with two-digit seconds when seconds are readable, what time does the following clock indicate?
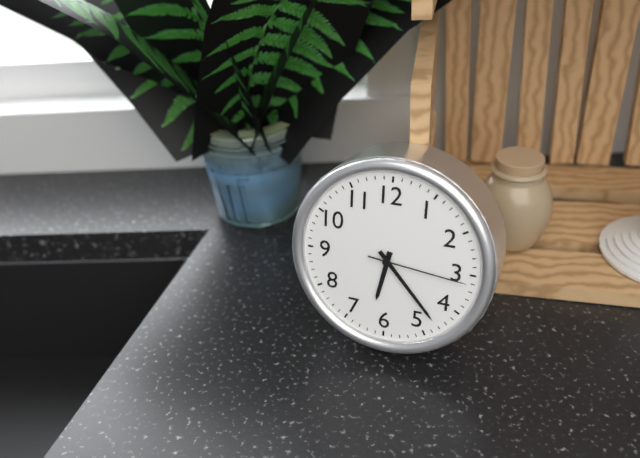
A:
6,23,16
